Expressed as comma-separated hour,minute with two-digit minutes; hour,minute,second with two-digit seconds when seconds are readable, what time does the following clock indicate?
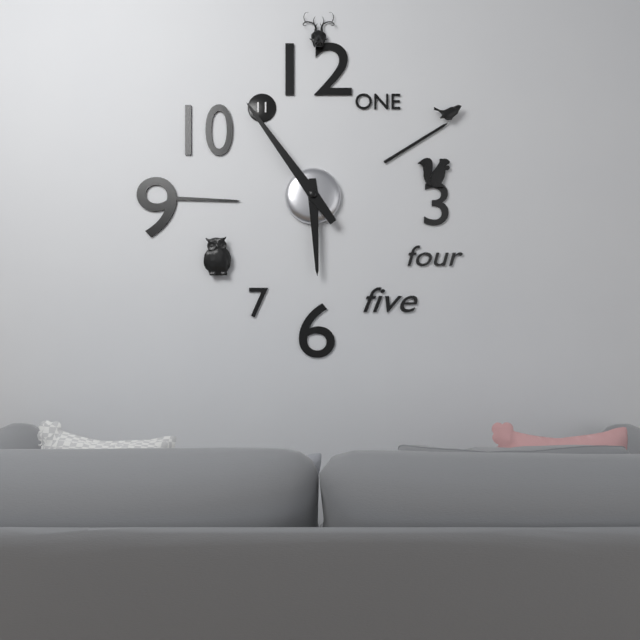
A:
5,54
